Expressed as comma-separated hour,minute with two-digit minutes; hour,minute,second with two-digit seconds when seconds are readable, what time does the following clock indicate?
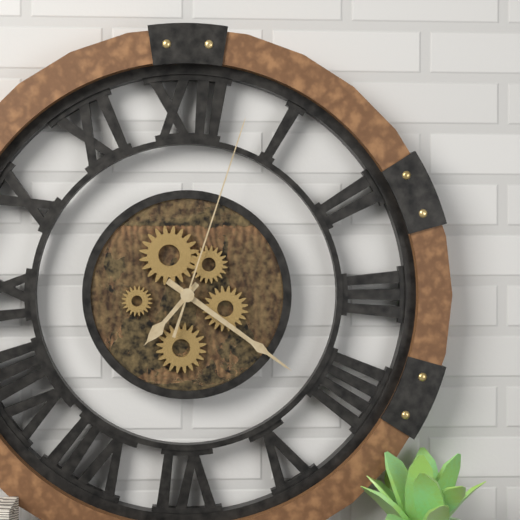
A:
7,21,03
